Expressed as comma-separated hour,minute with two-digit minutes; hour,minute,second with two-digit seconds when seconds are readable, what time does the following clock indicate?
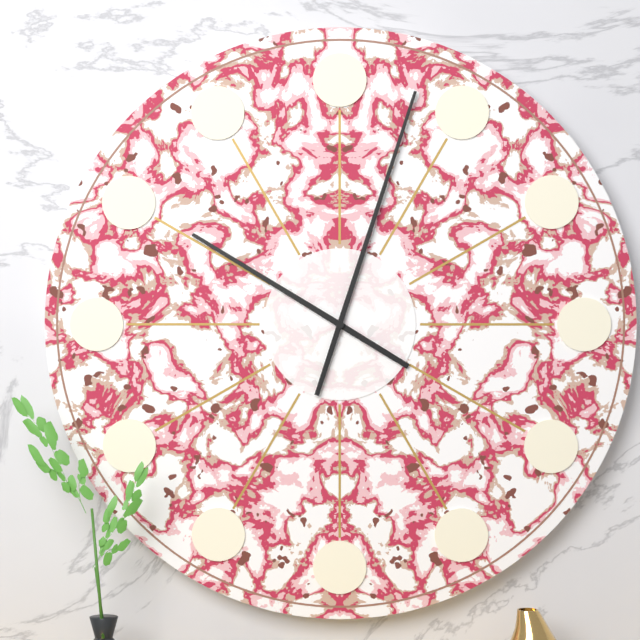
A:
10,03
